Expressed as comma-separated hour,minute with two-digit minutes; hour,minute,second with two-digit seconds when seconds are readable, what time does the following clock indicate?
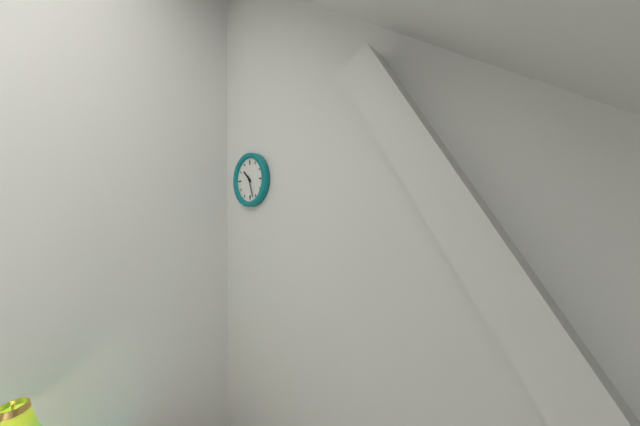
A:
10,27
